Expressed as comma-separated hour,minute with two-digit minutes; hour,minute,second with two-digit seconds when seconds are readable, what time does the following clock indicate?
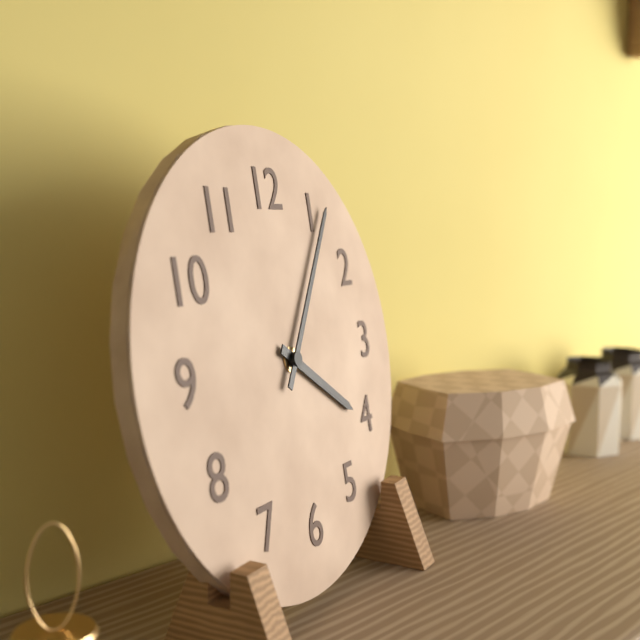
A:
4,06
